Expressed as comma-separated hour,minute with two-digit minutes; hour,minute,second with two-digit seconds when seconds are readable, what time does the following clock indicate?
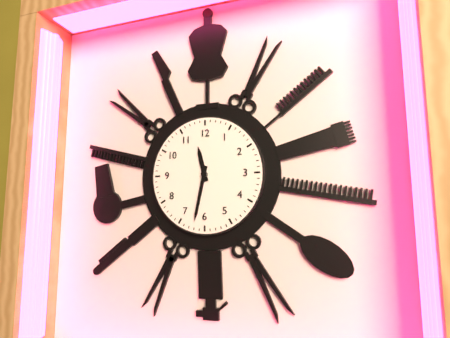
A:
11,32
